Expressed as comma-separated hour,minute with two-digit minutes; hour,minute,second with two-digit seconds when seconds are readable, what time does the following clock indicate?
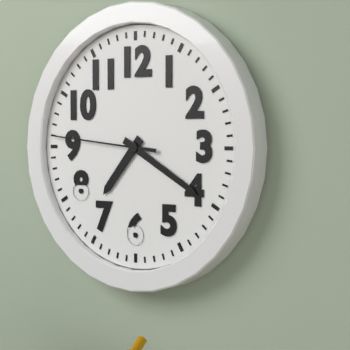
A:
7,20,46
